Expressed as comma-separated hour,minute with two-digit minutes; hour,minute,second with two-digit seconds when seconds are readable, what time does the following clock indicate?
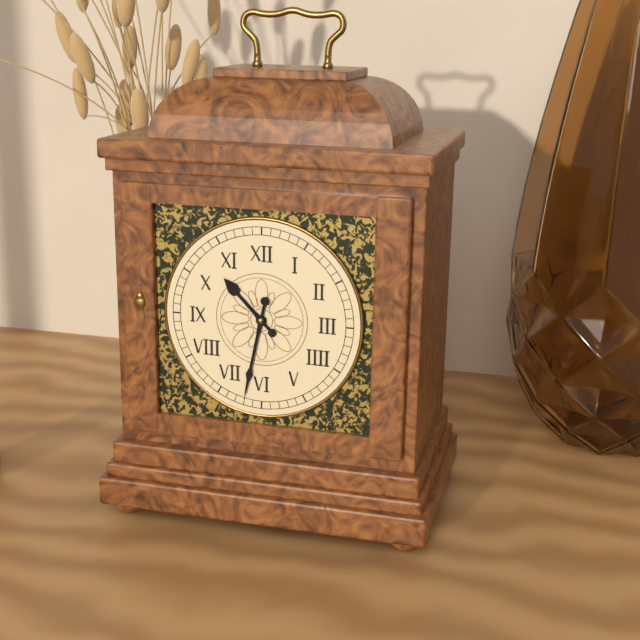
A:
10,32
